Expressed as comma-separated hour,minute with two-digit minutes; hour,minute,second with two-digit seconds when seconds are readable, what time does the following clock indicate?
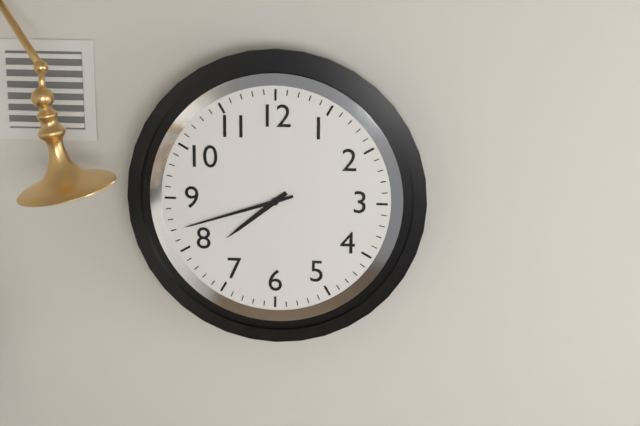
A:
7,42
